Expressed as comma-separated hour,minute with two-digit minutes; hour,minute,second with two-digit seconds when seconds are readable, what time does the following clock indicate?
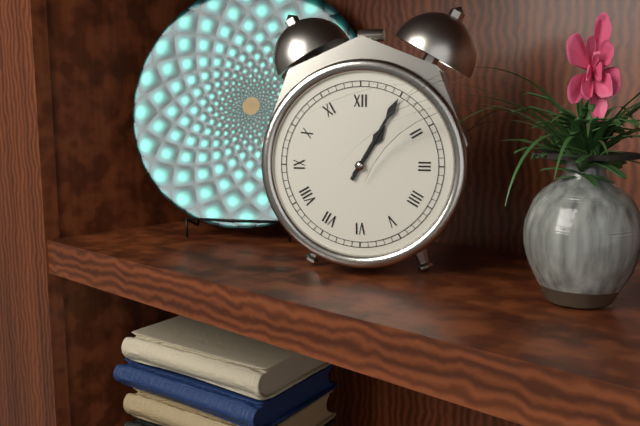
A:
1,05
